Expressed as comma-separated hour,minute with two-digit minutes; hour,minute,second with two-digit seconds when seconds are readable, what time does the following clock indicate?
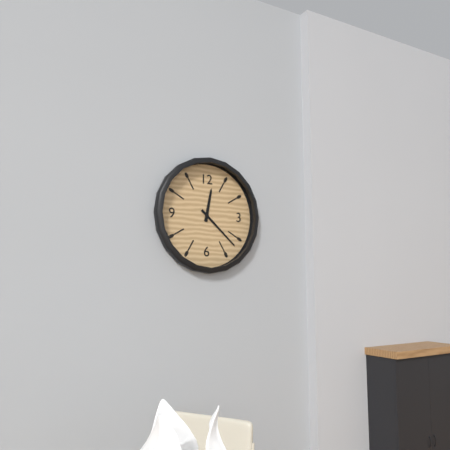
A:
12,22
